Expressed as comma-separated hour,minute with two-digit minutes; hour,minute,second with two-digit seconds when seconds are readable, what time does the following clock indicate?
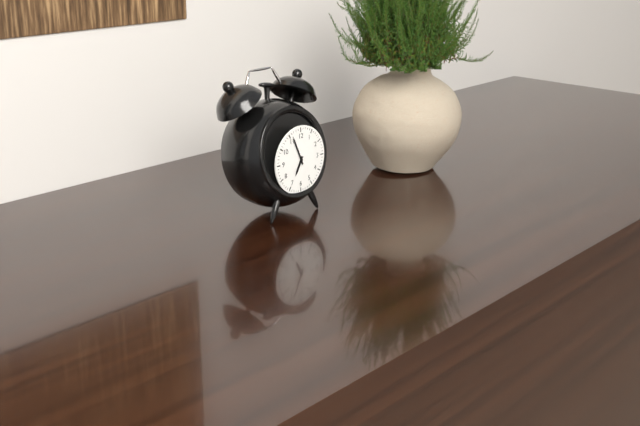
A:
6,56
